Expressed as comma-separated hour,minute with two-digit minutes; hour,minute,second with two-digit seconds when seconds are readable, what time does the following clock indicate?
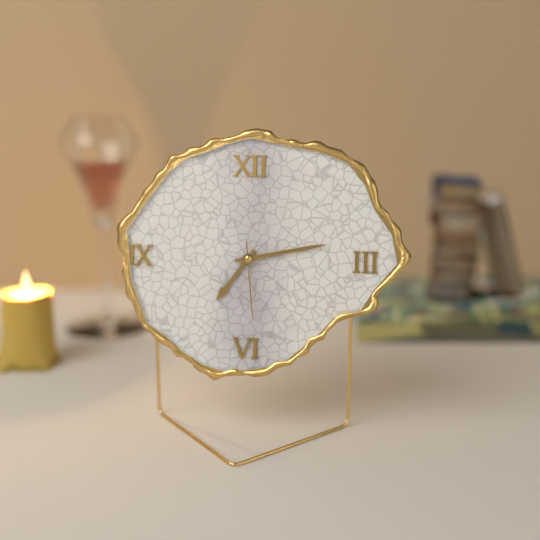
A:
7,13,29
